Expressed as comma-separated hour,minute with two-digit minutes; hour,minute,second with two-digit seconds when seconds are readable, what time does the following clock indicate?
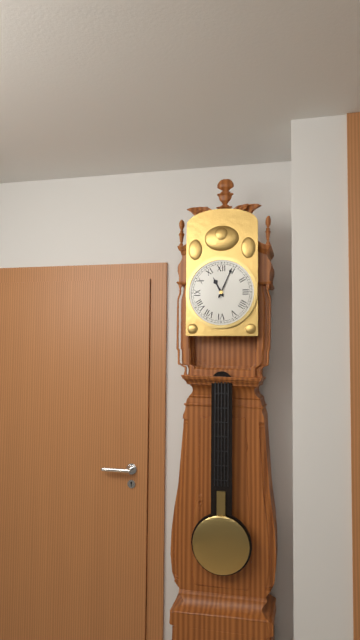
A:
11,04
